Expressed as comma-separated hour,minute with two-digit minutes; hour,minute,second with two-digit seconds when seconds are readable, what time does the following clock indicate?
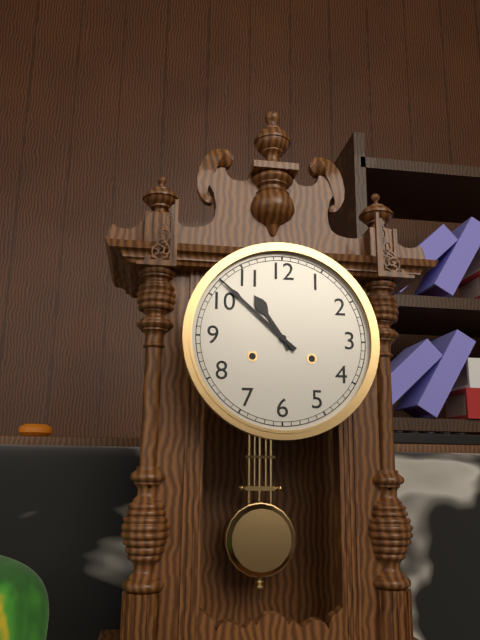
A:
10,52
